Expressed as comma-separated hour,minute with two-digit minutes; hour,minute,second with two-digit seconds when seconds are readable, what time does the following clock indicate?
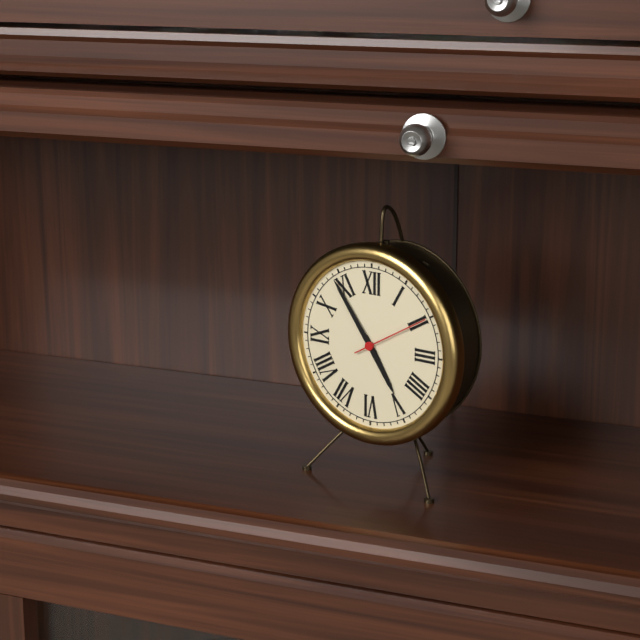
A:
4,54,10
